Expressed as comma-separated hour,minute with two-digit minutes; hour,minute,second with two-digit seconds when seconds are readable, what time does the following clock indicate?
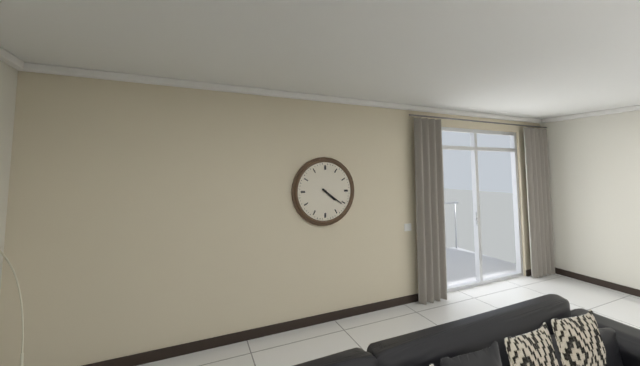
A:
4,21
